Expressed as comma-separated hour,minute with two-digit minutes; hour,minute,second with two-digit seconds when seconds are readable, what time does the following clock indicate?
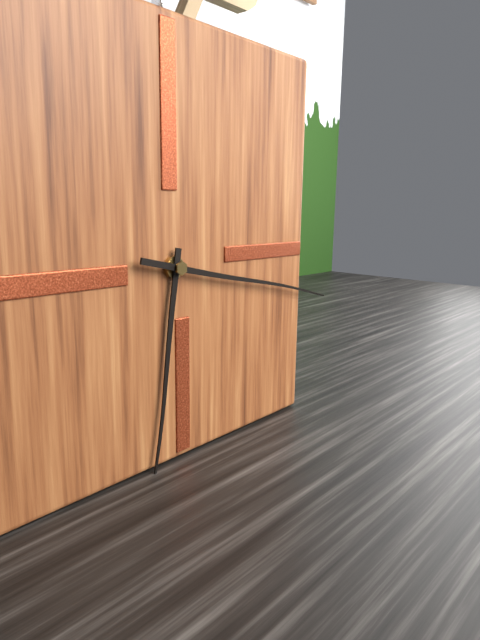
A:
6,17
